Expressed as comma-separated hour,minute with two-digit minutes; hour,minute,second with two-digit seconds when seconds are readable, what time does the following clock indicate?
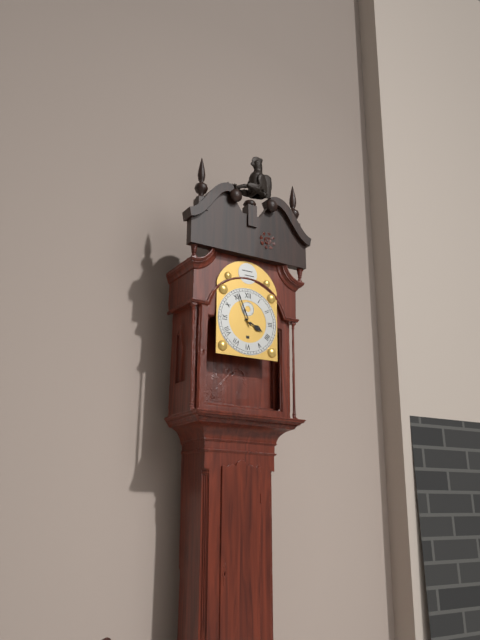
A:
3,56
